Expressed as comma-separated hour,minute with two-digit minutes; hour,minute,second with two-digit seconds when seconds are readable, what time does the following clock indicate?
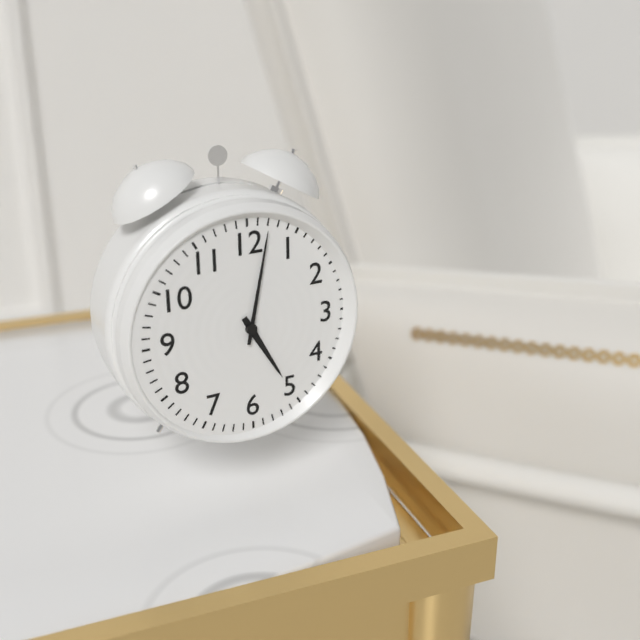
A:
5,02
